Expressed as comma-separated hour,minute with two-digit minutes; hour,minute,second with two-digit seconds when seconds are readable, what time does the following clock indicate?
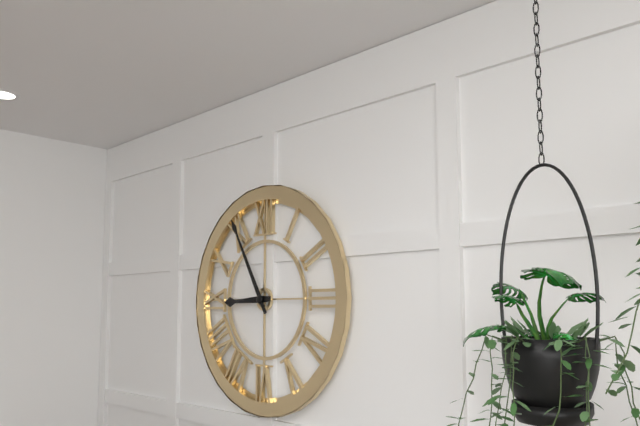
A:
8,55
